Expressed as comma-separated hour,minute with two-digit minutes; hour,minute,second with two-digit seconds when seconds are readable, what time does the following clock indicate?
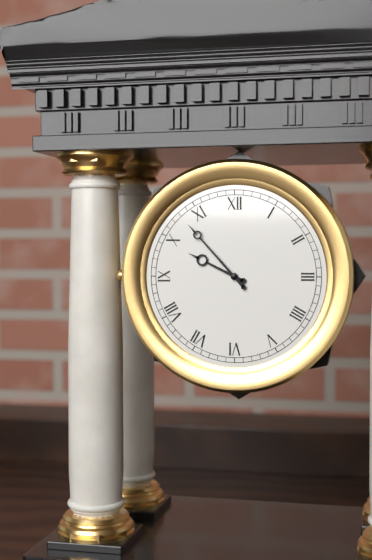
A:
9,53
